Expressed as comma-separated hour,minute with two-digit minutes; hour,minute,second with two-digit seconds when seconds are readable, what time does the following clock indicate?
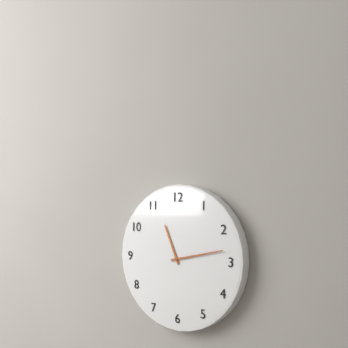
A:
11,13
